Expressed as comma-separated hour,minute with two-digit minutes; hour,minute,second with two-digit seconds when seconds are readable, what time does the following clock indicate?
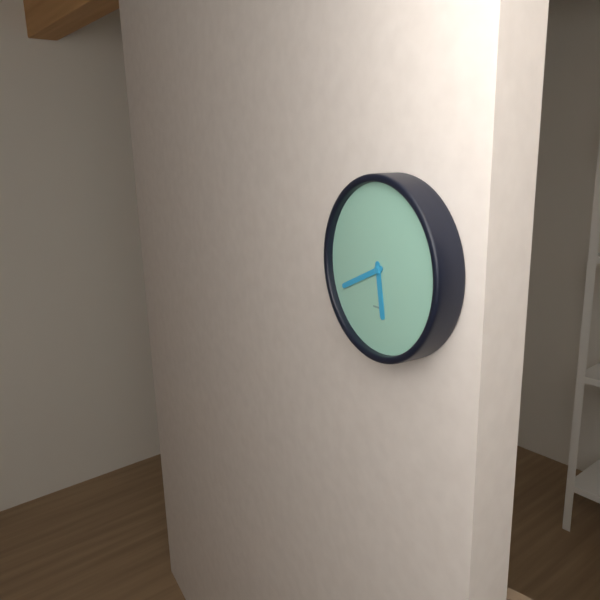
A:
5,41
